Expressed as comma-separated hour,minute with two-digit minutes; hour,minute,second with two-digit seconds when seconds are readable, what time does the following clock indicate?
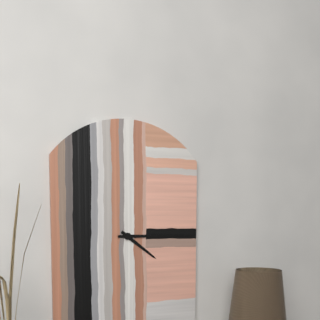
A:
4,15
